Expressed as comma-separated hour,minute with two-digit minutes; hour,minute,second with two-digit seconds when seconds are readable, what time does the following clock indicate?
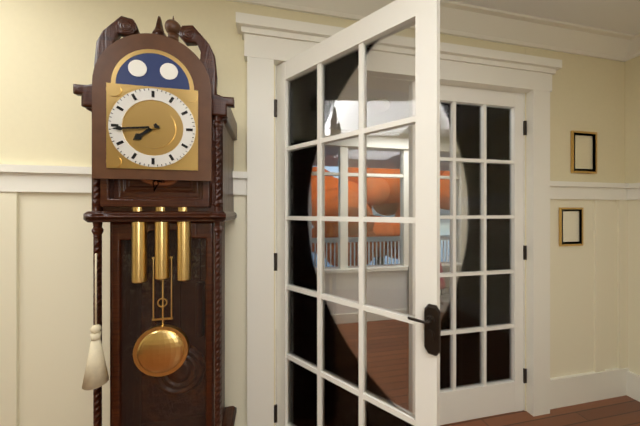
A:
7,44
